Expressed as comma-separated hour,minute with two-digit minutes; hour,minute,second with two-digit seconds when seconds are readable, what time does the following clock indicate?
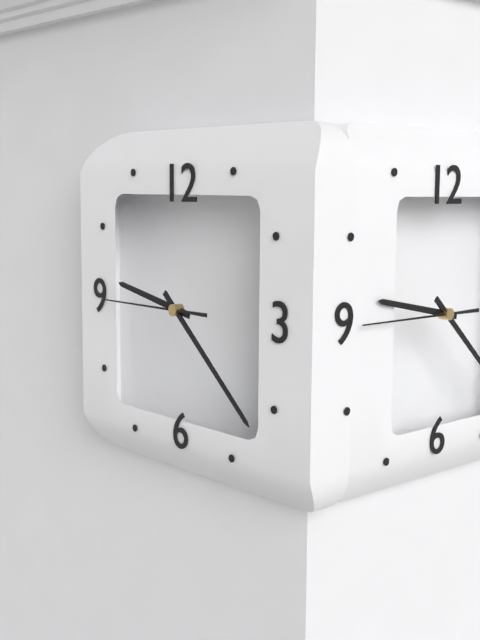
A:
9,22,45
